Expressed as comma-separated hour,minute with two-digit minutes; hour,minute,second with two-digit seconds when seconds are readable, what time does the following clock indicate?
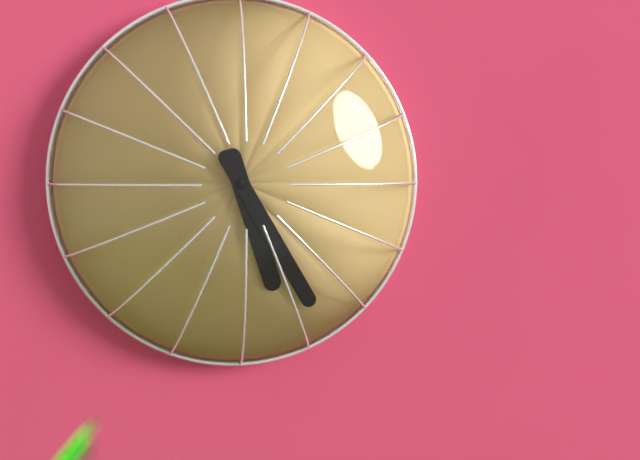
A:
5,25
